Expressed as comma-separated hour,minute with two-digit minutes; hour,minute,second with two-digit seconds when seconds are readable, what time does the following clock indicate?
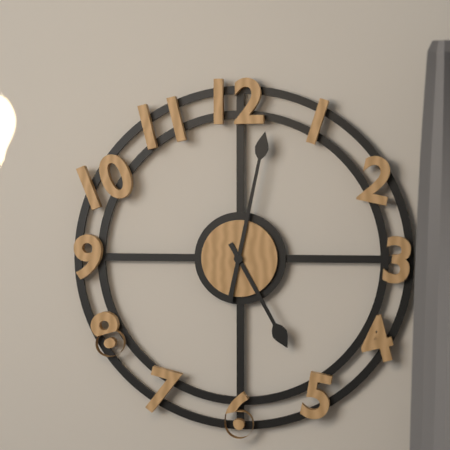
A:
5,02
